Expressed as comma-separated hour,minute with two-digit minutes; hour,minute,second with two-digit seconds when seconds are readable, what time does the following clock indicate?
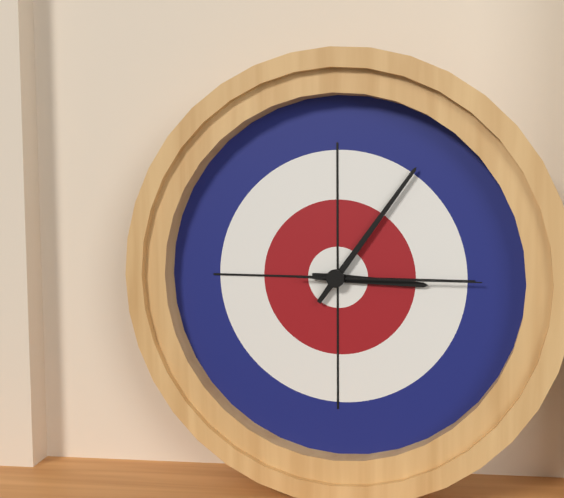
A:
3,06,15
